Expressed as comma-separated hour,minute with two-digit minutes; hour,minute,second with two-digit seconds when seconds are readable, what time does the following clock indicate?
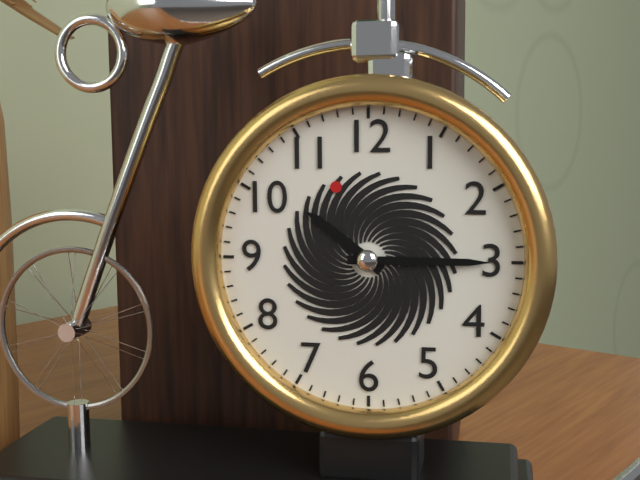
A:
10,15
